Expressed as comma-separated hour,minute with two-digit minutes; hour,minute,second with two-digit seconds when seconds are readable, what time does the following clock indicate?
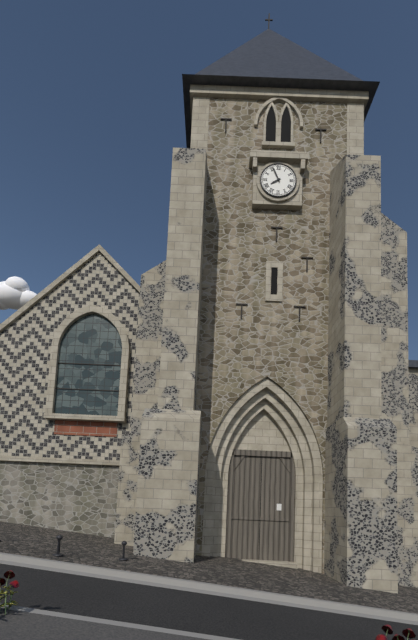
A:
7,56
